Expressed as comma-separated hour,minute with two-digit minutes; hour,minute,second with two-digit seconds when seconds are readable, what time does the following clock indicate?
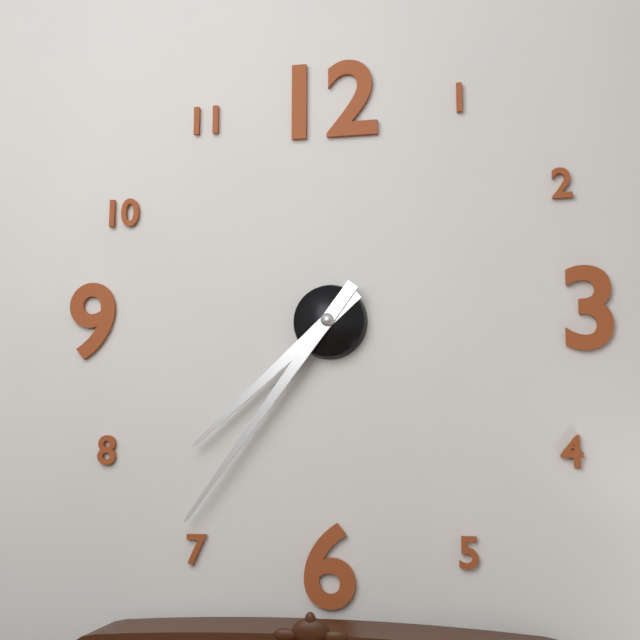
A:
7,36
